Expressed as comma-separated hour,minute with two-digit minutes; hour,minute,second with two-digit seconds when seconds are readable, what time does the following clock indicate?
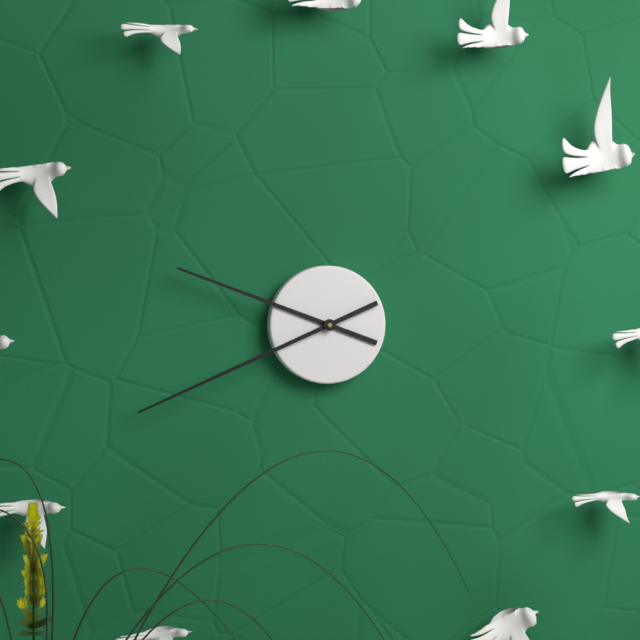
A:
9,41
